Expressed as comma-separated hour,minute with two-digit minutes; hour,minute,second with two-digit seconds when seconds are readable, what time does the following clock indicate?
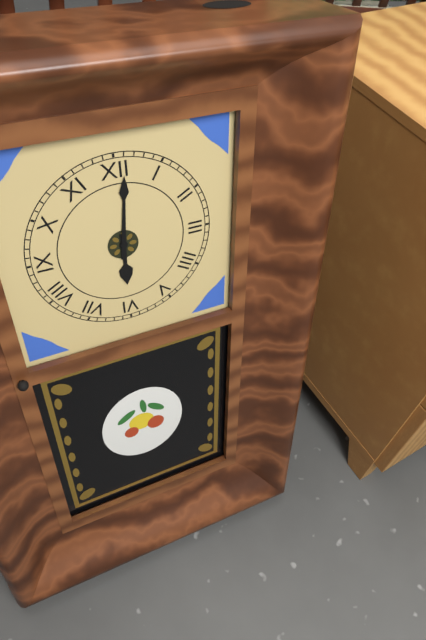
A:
6,01
